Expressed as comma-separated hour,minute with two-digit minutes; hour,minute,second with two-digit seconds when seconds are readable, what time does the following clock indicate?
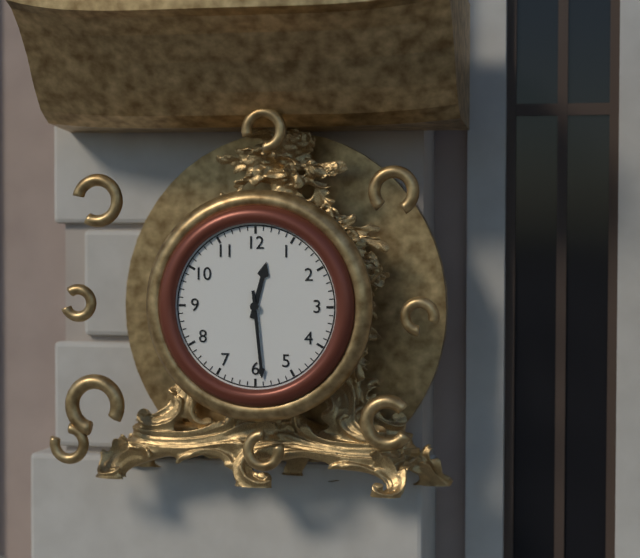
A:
12,29
